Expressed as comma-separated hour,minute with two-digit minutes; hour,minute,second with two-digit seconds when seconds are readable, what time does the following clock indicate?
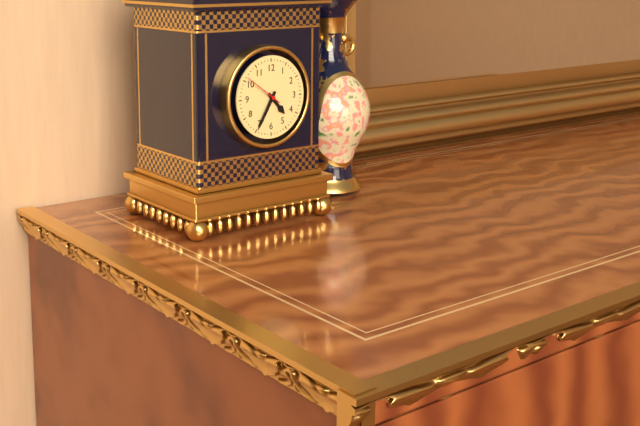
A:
4,35
